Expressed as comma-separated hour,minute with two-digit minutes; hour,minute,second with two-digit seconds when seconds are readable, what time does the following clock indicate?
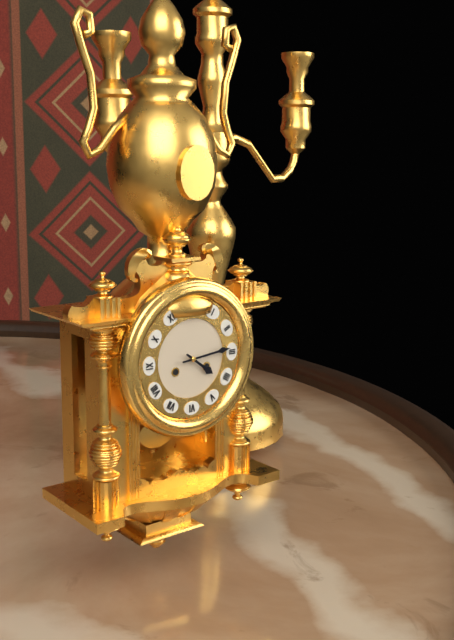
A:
4,14
